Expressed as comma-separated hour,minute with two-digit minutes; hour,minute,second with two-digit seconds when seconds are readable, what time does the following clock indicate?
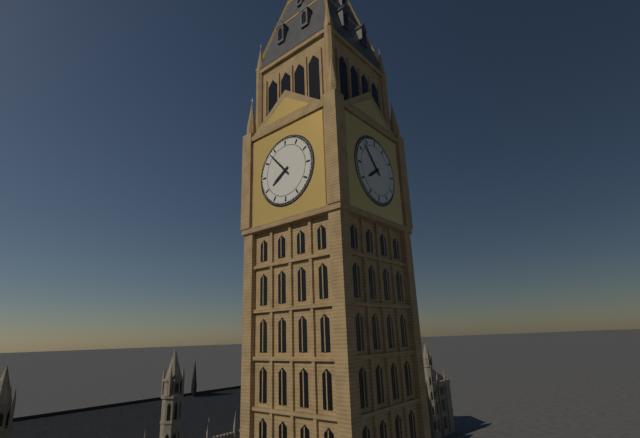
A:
7,53
